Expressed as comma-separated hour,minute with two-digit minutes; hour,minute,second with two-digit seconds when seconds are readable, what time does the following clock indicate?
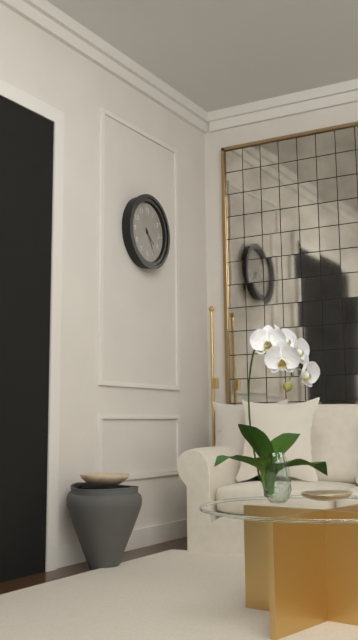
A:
4,25
